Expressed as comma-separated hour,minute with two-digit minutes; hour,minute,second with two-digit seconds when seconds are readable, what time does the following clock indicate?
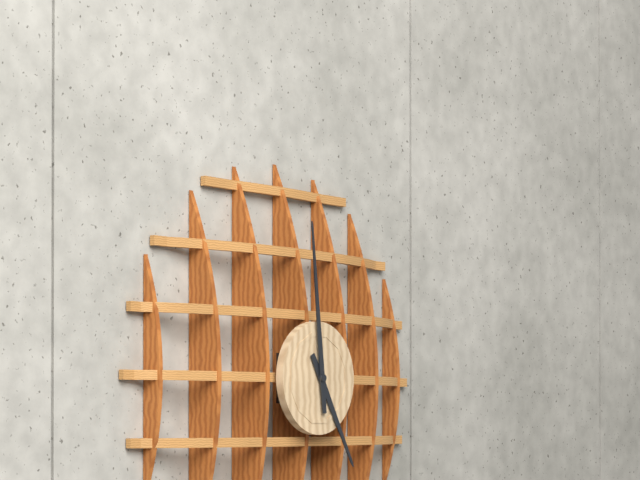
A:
4,59
